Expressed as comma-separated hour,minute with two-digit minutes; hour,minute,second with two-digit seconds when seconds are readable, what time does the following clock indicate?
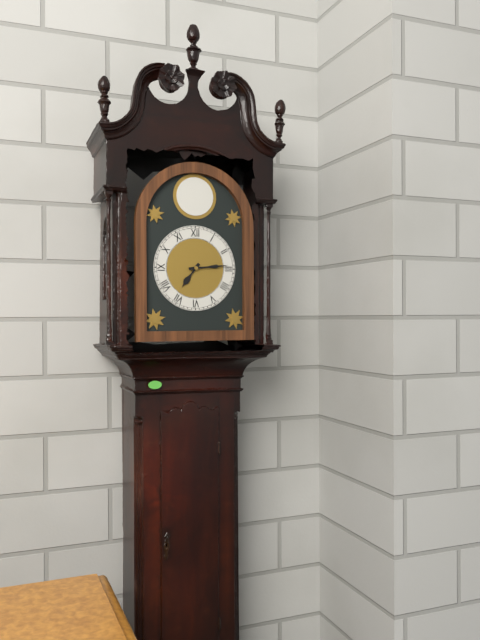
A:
7,14
